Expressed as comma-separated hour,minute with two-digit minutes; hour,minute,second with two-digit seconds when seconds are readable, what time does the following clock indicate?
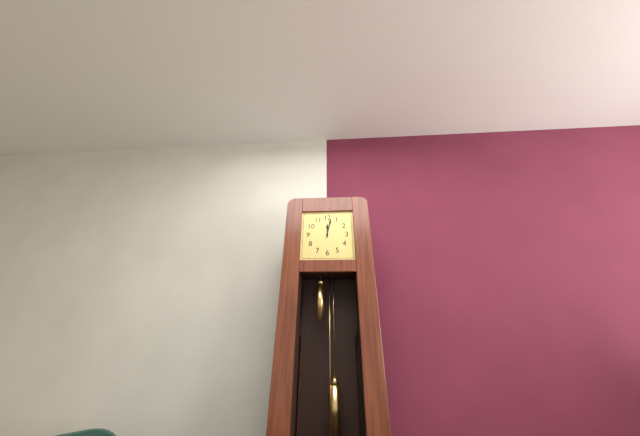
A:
12,02
